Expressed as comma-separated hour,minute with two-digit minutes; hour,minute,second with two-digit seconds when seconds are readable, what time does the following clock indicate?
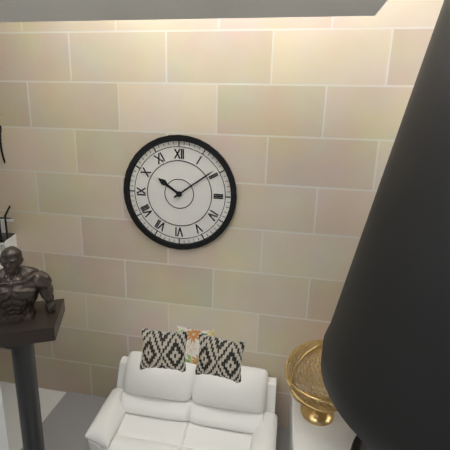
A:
10,09
